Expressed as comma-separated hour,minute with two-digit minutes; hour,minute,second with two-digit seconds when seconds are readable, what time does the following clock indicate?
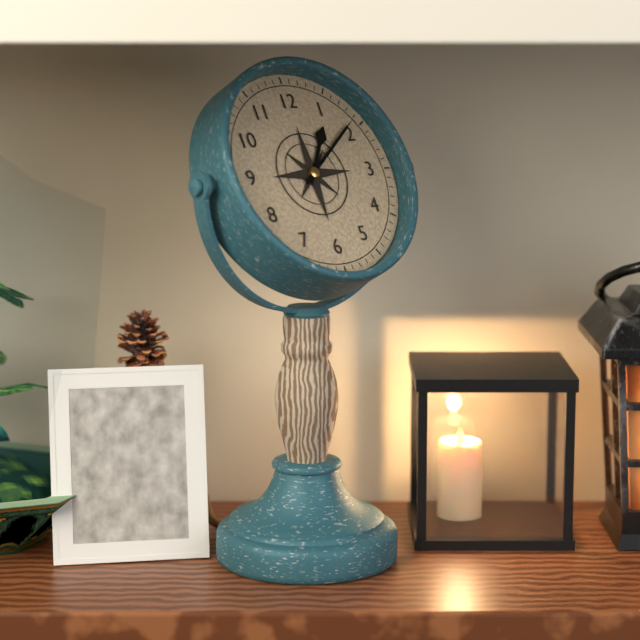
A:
1,09
